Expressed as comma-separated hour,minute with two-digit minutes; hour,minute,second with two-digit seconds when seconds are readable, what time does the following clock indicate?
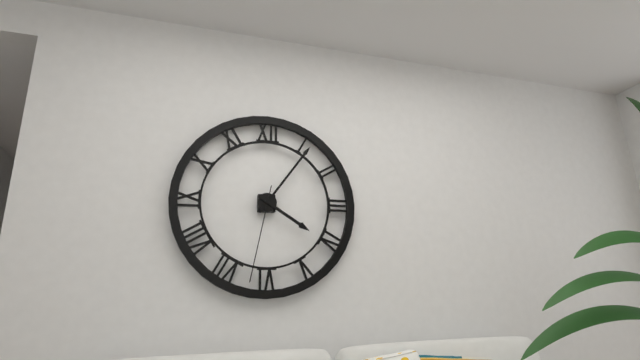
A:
4,06,32
